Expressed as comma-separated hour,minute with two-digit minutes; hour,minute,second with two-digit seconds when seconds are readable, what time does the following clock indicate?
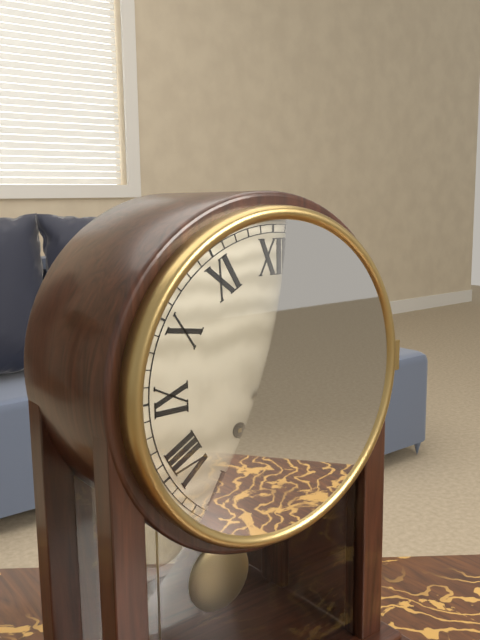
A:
2,10
